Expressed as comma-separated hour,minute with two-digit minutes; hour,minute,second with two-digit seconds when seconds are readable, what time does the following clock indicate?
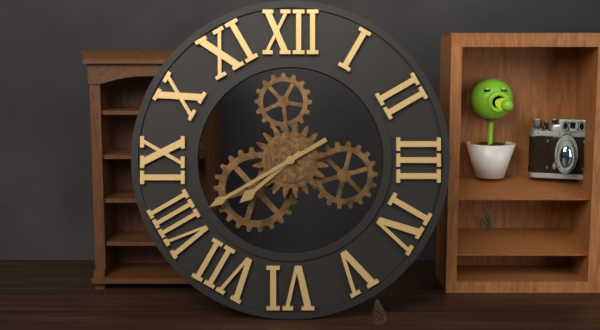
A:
7,40
